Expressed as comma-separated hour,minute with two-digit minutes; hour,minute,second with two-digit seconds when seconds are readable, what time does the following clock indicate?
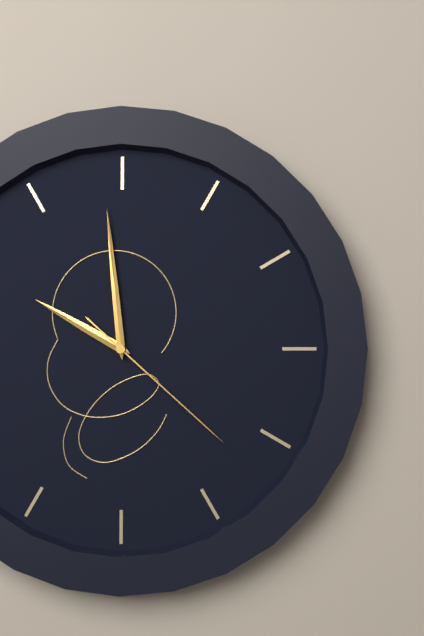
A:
9,59,22
